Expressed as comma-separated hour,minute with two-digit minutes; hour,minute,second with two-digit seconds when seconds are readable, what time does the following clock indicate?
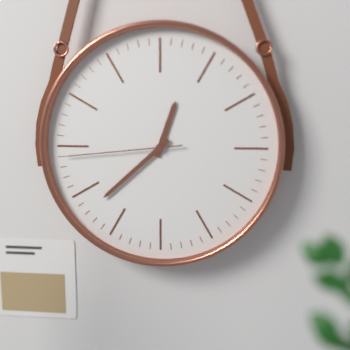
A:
12,38,44
